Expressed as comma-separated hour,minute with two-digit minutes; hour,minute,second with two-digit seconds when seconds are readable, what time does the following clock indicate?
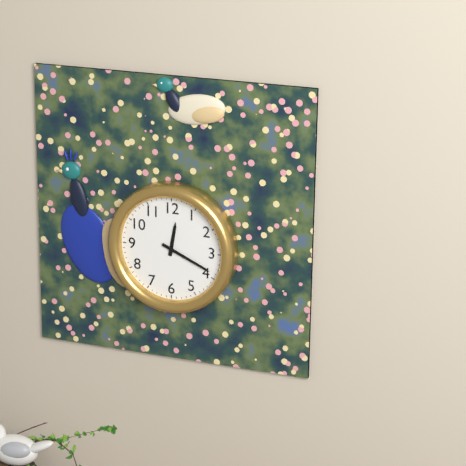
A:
12,19
